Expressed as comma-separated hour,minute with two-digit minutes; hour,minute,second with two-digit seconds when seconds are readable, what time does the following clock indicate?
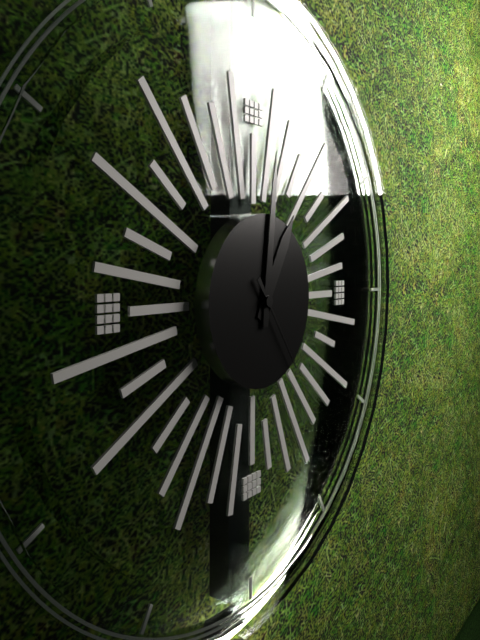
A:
1,01,24
